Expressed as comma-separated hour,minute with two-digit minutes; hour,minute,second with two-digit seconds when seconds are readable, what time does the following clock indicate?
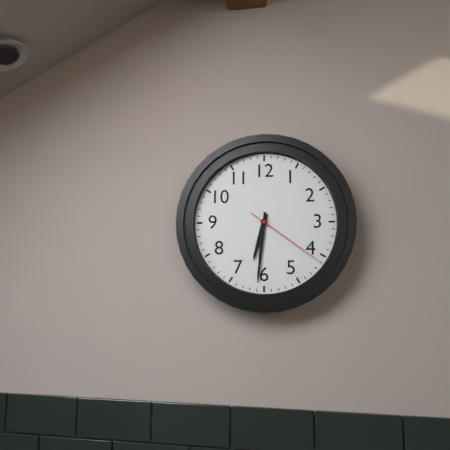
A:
6,31,21
